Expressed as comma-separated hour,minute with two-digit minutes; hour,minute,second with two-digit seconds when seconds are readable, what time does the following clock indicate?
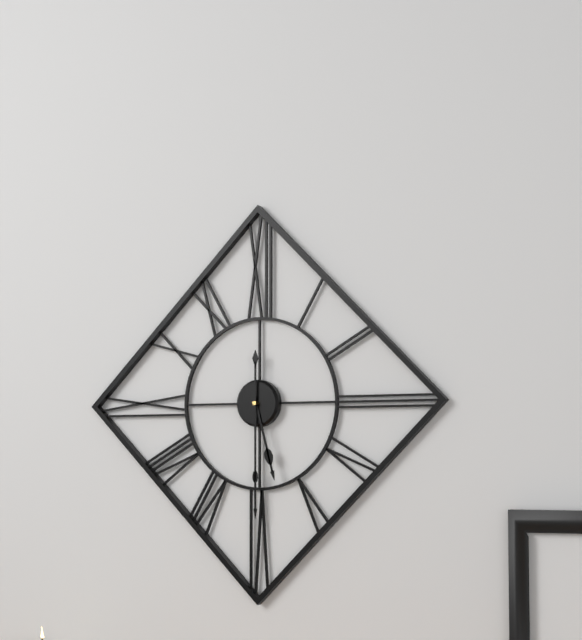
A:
5,30
